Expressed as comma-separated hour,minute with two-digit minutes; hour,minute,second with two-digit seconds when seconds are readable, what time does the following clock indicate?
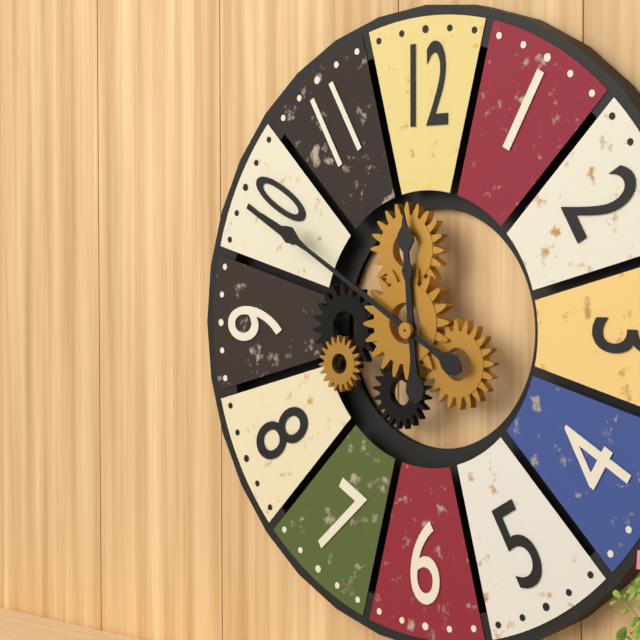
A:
11,50
